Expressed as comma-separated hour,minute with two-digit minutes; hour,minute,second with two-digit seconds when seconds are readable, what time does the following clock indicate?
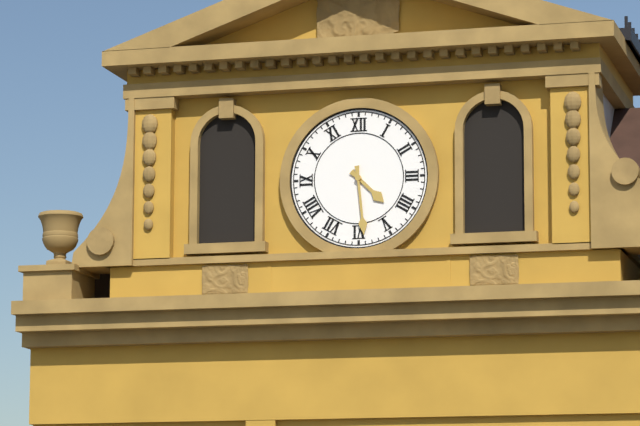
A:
4,29
